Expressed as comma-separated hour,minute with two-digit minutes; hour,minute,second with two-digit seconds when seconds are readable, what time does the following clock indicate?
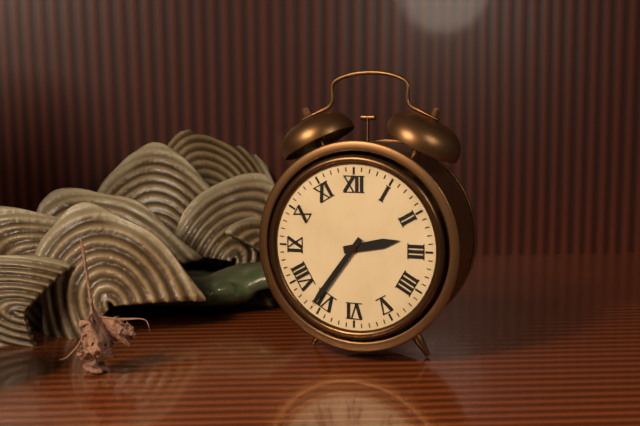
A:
2,36
